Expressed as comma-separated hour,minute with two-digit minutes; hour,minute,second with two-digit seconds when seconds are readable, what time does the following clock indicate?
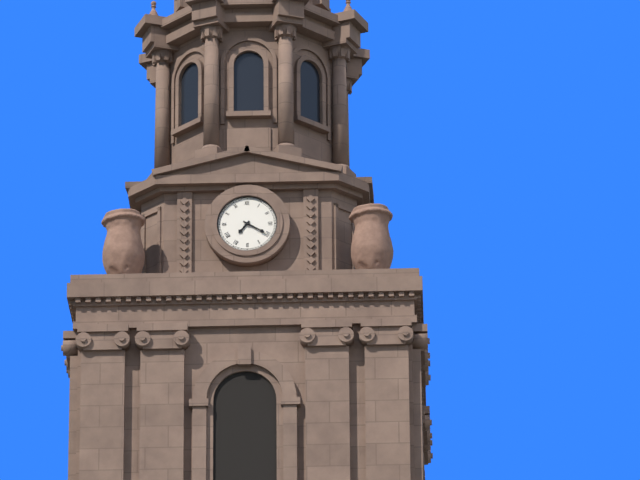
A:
7,20
